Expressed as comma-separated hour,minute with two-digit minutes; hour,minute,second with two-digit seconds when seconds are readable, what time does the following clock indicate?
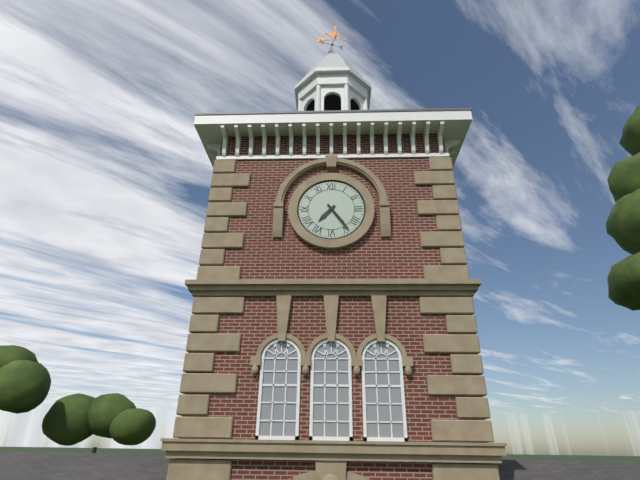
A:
7,24
